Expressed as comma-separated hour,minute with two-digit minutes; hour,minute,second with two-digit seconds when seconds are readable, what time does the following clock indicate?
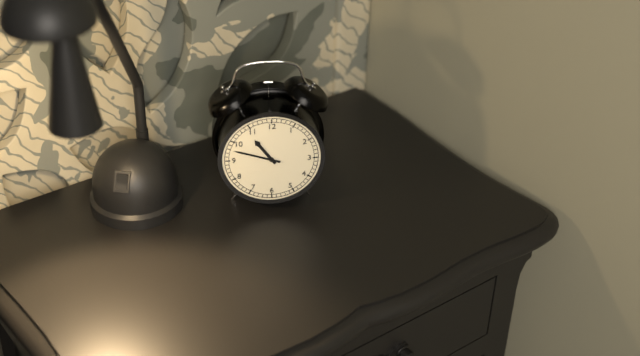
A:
10,48
